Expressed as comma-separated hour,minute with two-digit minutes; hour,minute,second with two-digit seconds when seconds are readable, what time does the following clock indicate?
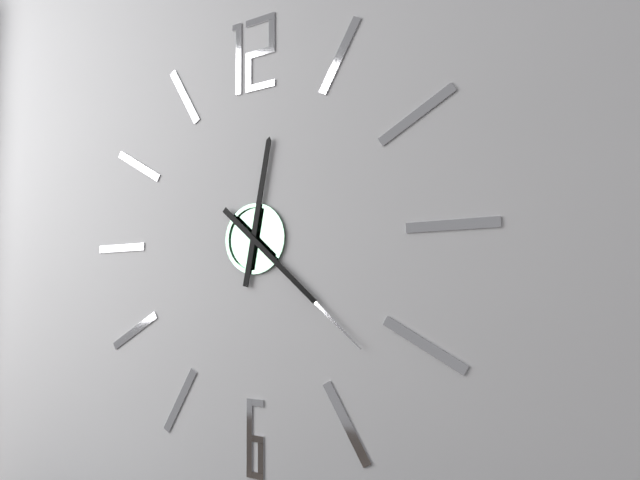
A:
12,22
